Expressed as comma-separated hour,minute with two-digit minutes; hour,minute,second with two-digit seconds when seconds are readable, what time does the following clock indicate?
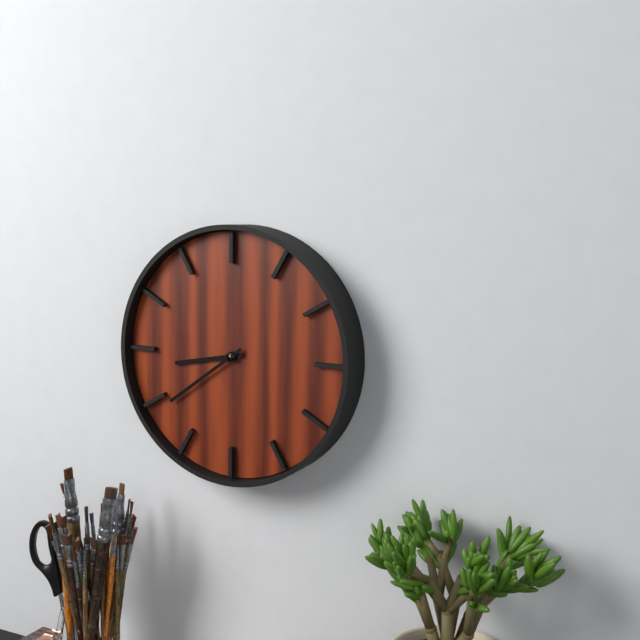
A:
8,39
